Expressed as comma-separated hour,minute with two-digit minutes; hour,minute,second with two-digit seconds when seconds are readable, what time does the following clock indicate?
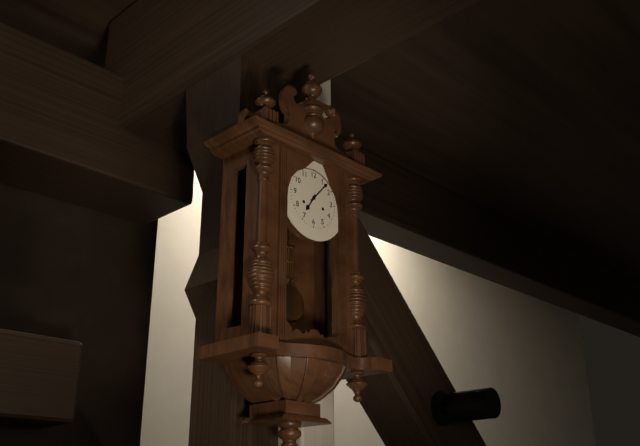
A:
7,07
